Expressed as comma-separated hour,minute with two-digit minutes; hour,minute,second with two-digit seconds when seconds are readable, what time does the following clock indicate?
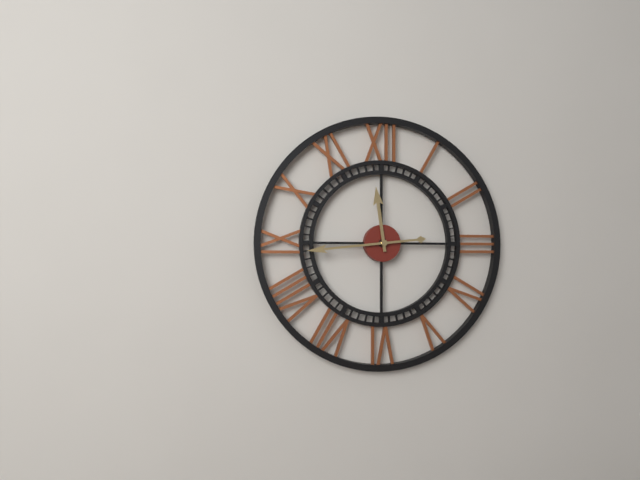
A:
11,44
